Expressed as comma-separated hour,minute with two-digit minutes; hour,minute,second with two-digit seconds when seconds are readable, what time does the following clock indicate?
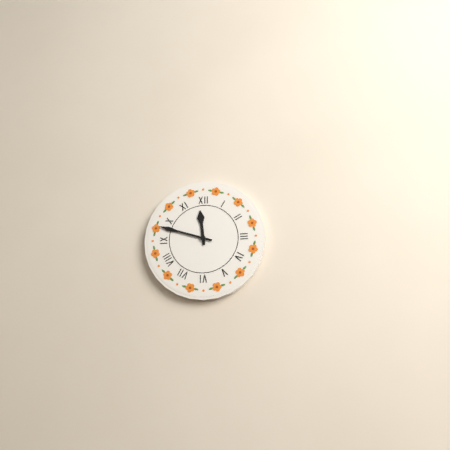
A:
11,48
